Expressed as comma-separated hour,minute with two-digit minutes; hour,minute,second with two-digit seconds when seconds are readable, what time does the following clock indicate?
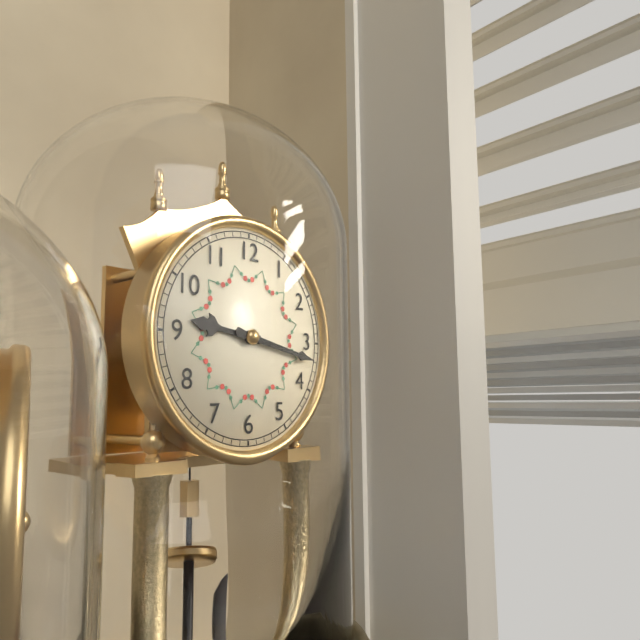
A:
9,17
